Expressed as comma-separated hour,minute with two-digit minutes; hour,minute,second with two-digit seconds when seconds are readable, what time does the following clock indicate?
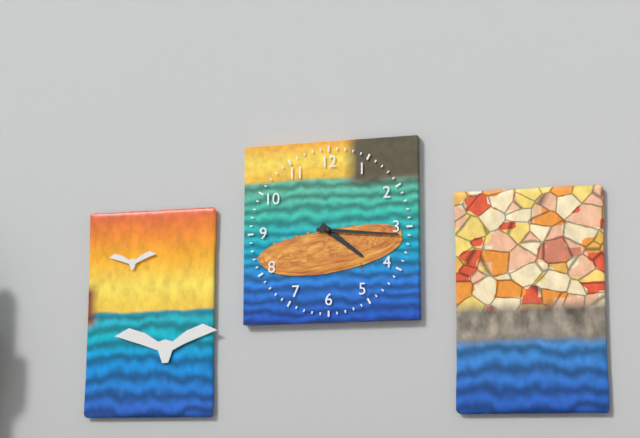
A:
4,16
